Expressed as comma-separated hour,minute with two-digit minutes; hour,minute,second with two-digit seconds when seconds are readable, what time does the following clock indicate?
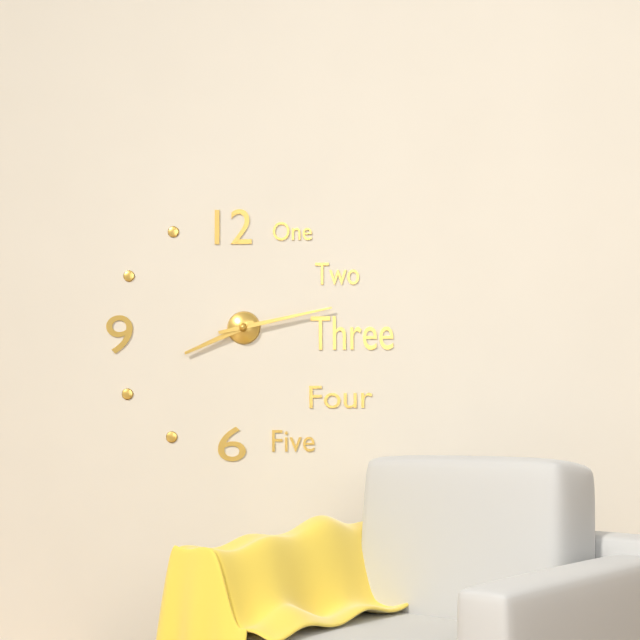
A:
8,13
